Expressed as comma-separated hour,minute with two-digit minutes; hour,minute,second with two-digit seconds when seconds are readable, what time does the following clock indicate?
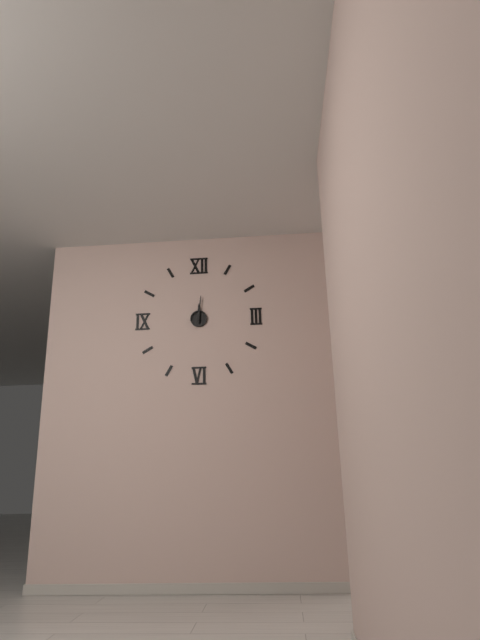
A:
12,01
